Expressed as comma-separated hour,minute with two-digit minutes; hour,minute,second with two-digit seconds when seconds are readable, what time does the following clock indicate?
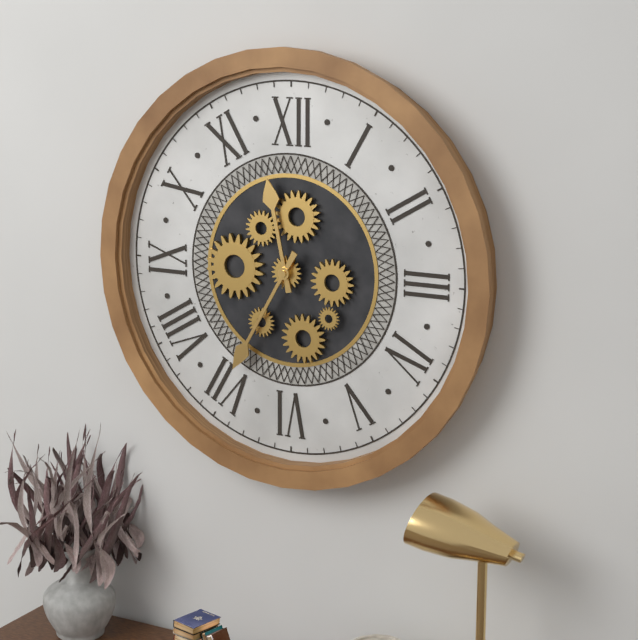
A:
11,35
